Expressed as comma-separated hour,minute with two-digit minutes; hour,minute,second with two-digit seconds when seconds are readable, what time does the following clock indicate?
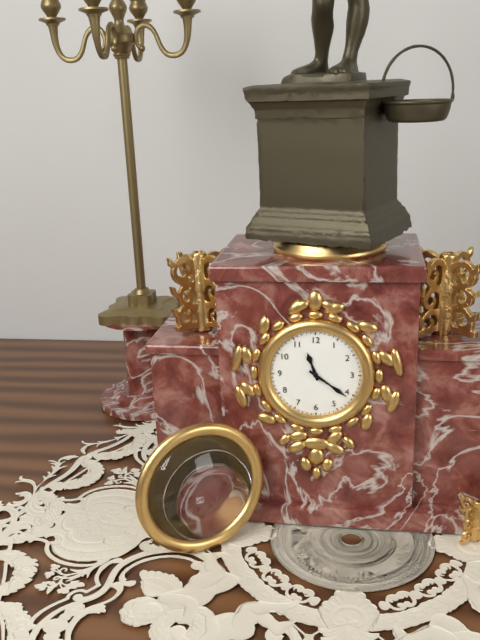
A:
11,21
